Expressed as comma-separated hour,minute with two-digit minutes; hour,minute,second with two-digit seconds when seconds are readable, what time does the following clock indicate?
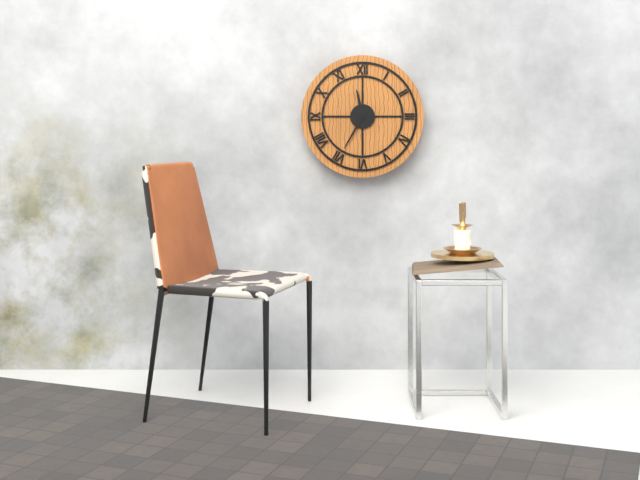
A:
11,35
